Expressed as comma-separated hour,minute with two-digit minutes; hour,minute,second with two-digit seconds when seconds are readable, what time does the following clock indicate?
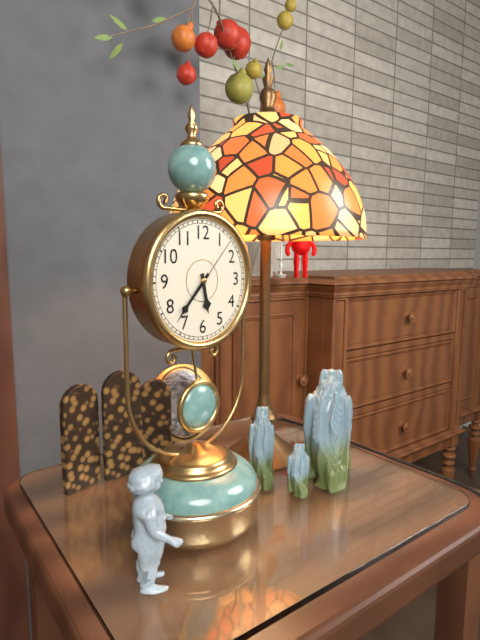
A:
5,37,07
